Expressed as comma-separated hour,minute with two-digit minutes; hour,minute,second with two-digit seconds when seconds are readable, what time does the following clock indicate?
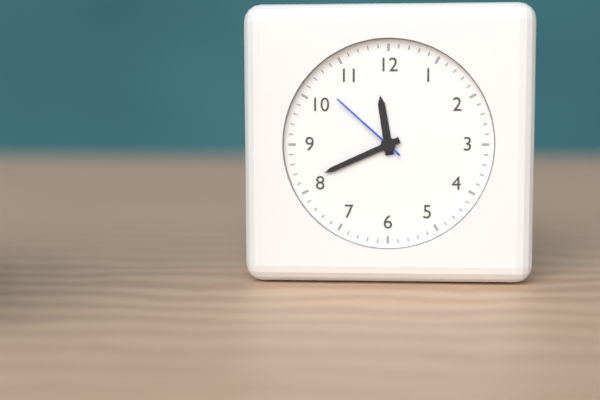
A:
11,41,52
